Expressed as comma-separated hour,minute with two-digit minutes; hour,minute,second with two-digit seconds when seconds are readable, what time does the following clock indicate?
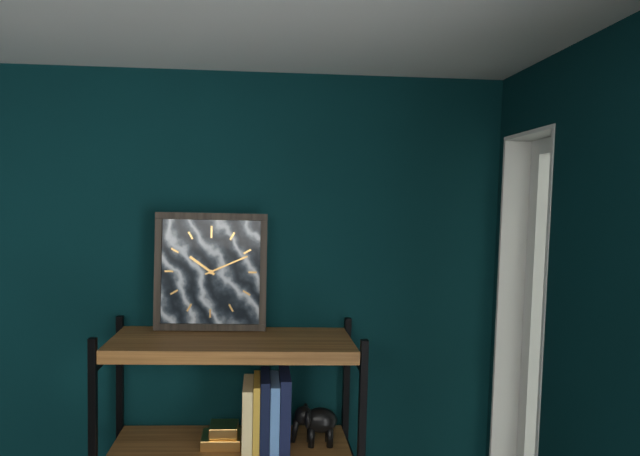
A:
10,11
